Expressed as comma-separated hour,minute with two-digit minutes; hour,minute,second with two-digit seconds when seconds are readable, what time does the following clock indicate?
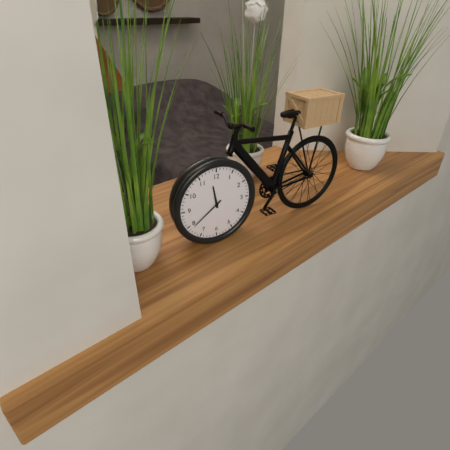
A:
11,39
